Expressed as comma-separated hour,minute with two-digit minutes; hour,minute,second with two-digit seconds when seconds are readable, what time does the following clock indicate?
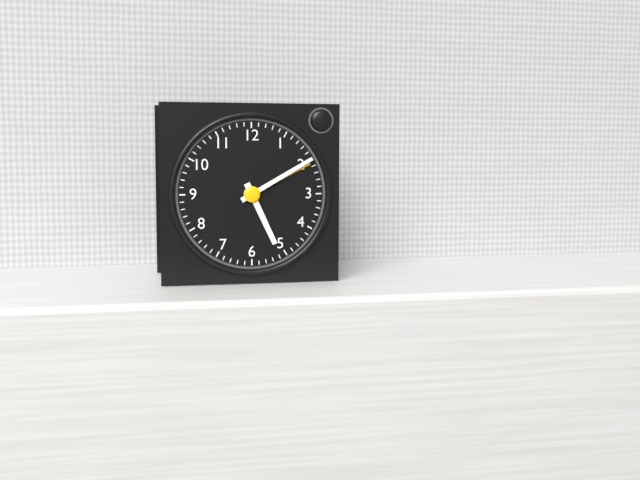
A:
5,10
